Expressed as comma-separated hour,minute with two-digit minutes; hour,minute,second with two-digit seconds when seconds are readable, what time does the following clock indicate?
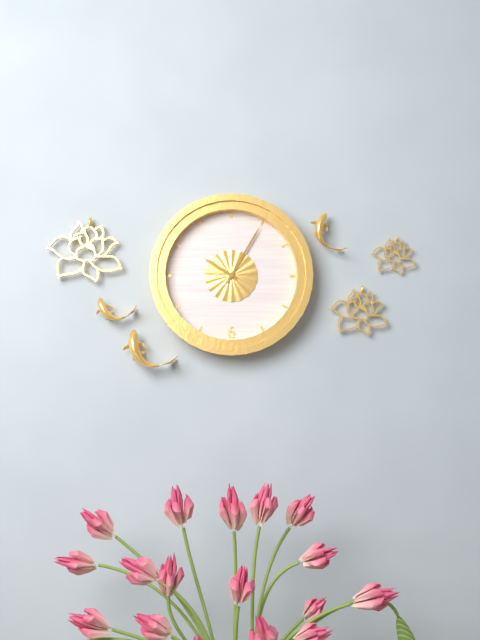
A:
10,05
